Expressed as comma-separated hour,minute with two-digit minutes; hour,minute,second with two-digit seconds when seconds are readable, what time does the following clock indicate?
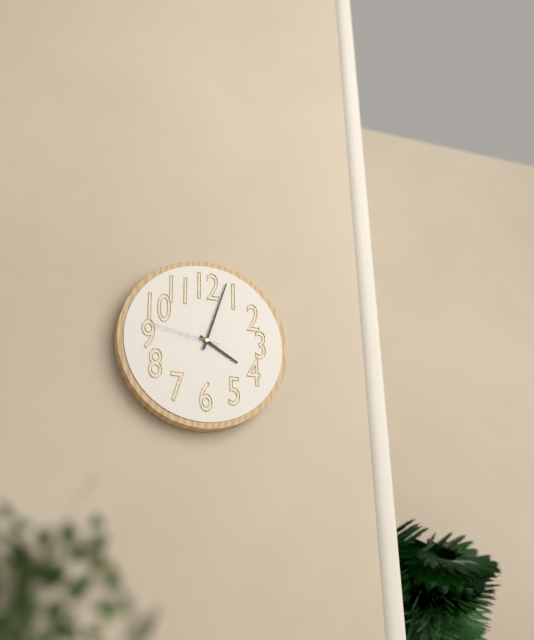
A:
4,03,47
